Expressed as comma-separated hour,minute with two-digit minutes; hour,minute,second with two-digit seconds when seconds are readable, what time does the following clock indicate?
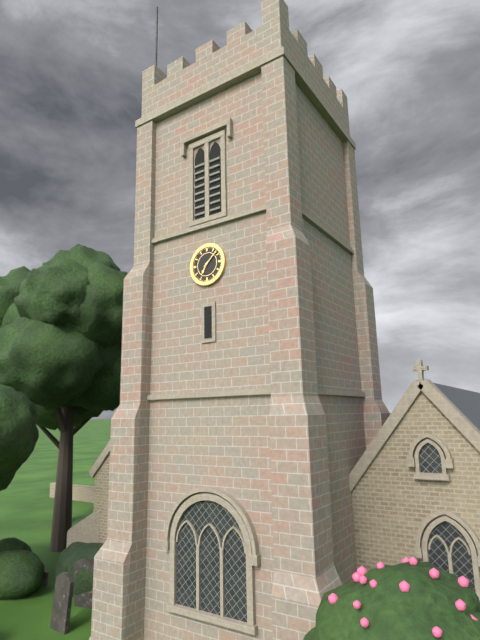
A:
7,08
